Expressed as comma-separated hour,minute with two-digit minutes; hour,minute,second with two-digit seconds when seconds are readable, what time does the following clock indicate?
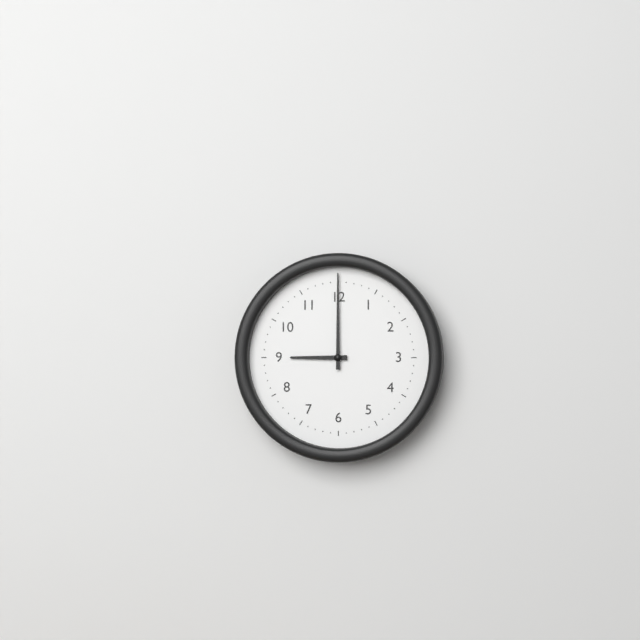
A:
9,00
